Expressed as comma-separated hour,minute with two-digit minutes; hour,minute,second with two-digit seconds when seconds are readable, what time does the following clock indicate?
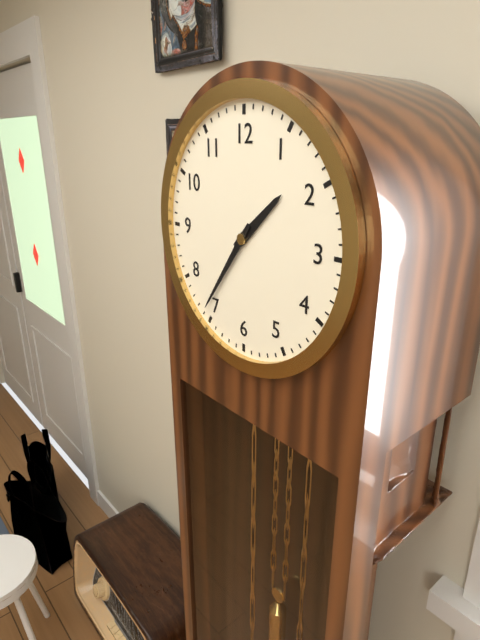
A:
1,36
